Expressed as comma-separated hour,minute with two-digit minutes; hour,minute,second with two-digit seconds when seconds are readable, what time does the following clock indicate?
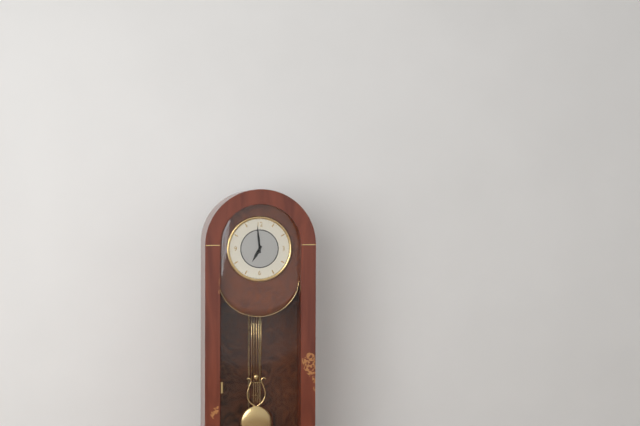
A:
6,59
